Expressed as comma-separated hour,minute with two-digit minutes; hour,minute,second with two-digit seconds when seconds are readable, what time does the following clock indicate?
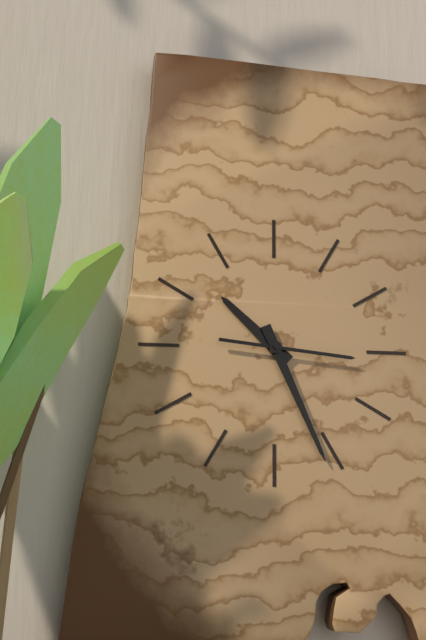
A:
10,26,16
